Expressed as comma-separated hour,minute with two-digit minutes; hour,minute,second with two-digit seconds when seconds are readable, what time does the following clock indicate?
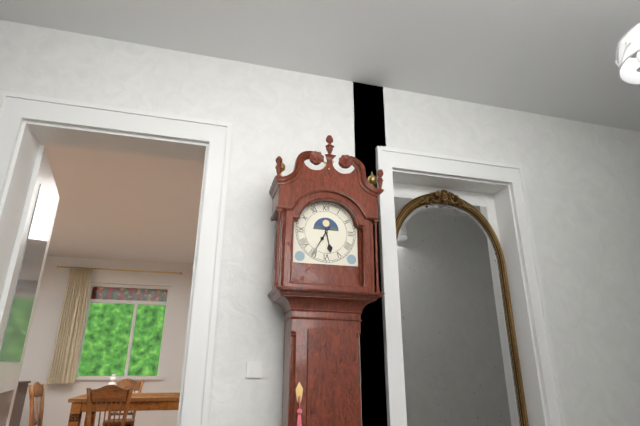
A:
5,35
